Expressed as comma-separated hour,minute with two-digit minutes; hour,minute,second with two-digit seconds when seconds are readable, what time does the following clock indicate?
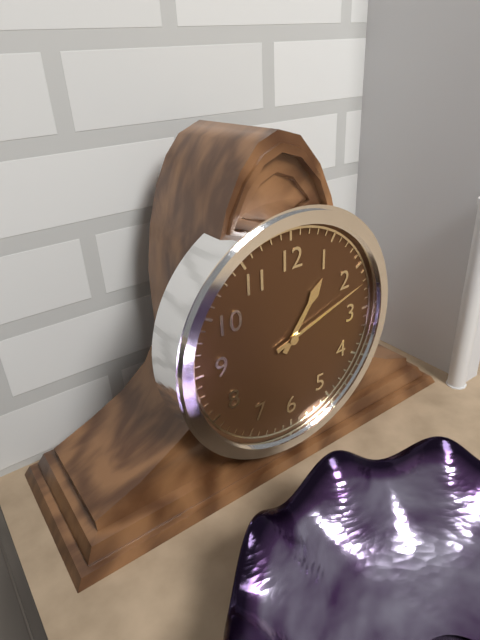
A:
1,12
